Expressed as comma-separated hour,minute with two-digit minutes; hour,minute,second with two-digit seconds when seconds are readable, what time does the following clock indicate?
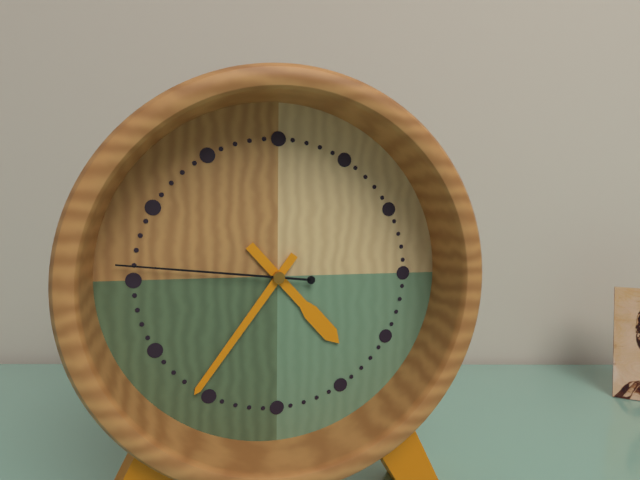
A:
4,36,46
